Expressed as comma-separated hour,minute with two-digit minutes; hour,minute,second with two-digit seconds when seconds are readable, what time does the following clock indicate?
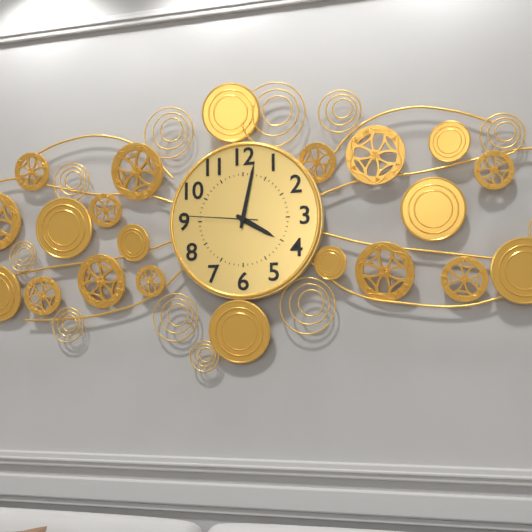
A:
4,02,46
